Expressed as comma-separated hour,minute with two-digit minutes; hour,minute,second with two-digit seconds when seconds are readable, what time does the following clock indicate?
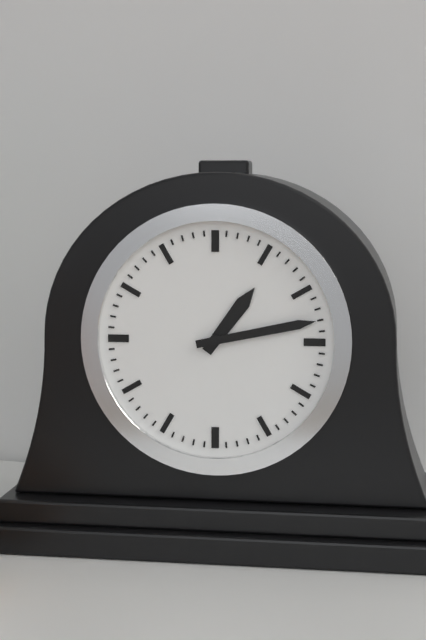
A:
1,13
